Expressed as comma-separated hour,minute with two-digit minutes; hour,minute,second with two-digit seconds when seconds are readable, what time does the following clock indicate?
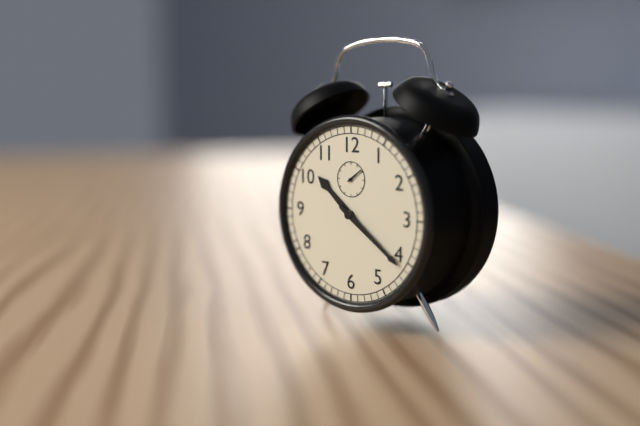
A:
10,21
